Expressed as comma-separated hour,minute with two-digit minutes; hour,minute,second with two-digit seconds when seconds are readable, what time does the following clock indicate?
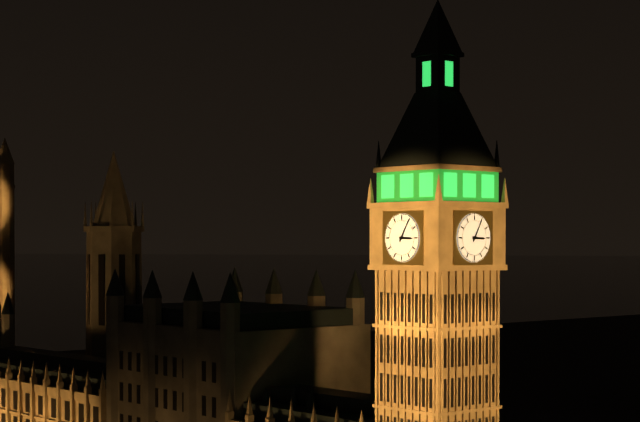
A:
3,05
